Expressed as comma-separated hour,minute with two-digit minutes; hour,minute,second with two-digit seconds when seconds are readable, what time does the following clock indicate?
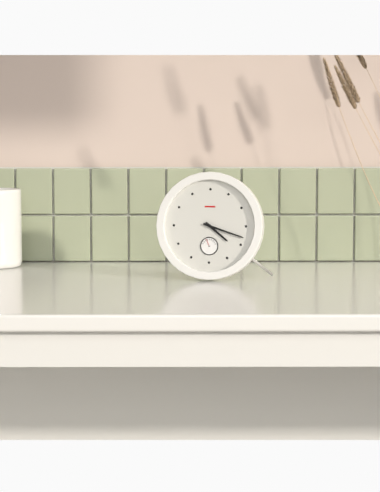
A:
4,18
